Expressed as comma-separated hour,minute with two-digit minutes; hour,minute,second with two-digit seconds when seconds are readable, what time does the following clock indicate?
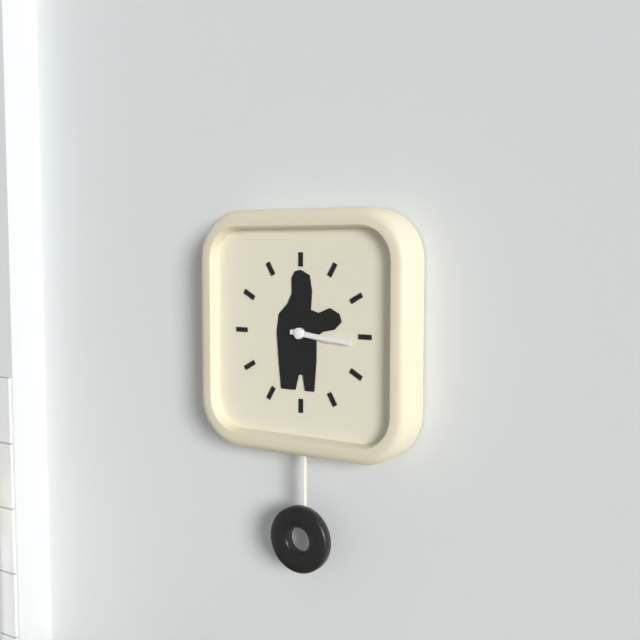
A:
3,16
